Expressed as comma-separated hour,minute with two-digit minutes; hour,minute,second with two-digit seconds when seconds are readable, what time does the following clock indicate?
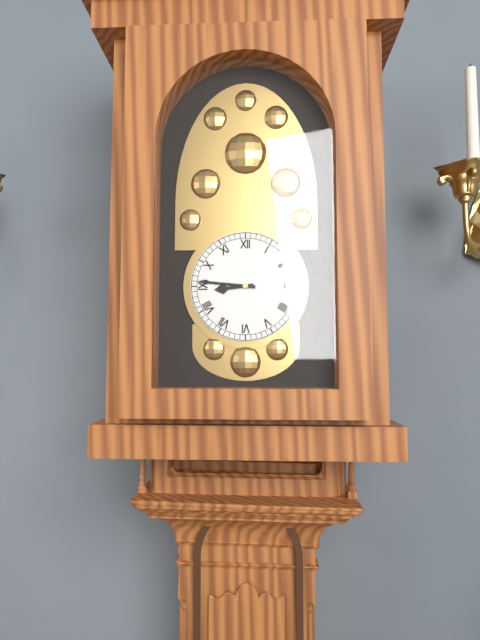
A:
8,46
